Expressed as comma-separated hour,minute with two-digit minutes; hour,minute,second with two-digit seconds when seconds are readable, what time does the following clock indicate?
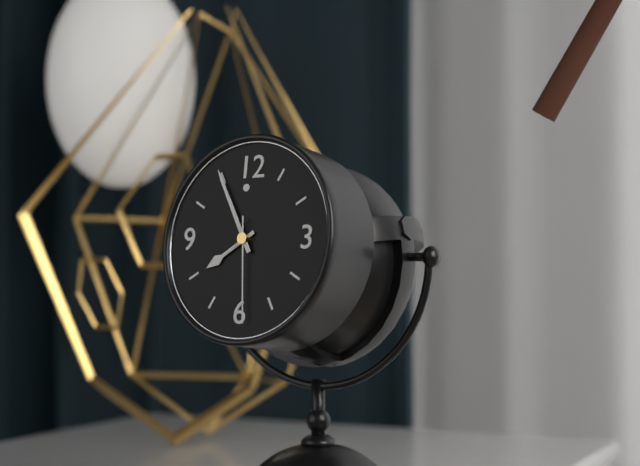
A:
7,55,29
